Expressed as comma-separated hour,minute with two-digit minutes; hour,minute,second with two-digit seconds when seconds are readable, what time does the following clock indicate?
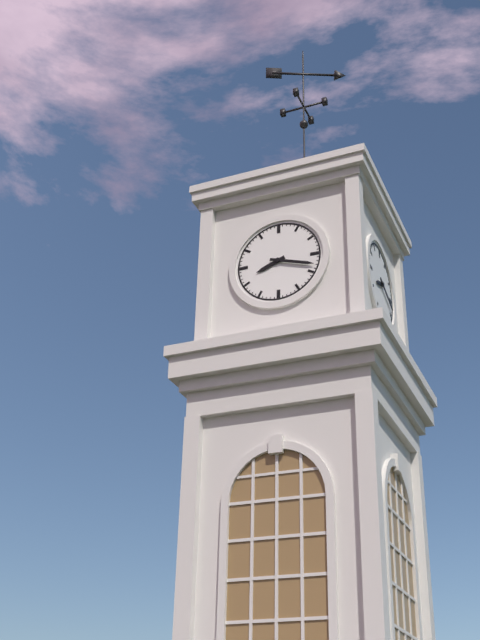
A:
8,18
